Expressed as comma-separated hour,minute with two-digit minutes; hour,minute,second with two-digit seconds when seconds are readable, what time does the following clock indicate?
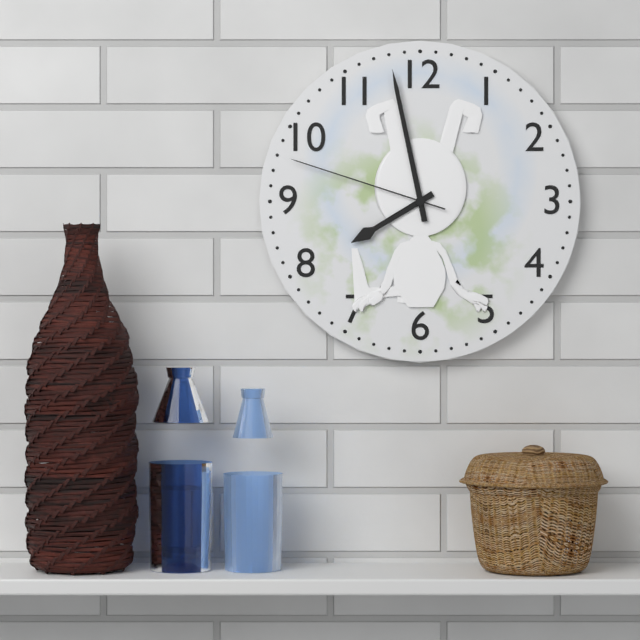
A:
7,58,48
